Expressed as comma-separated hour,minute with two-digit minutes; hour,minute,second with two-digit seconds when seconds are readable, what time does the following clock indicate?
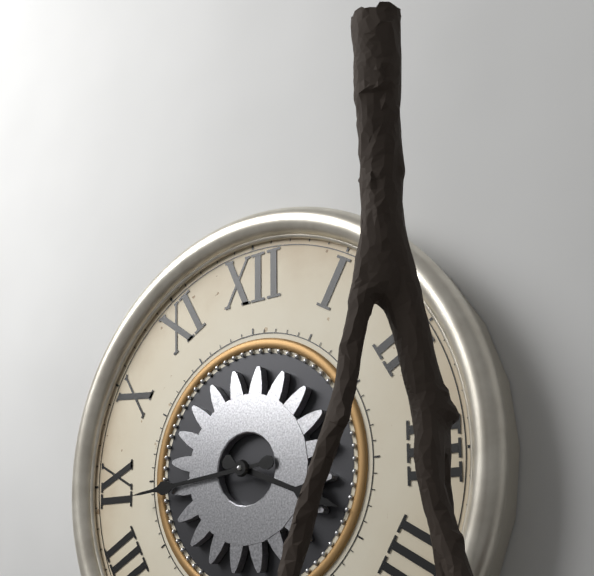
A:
3,44
